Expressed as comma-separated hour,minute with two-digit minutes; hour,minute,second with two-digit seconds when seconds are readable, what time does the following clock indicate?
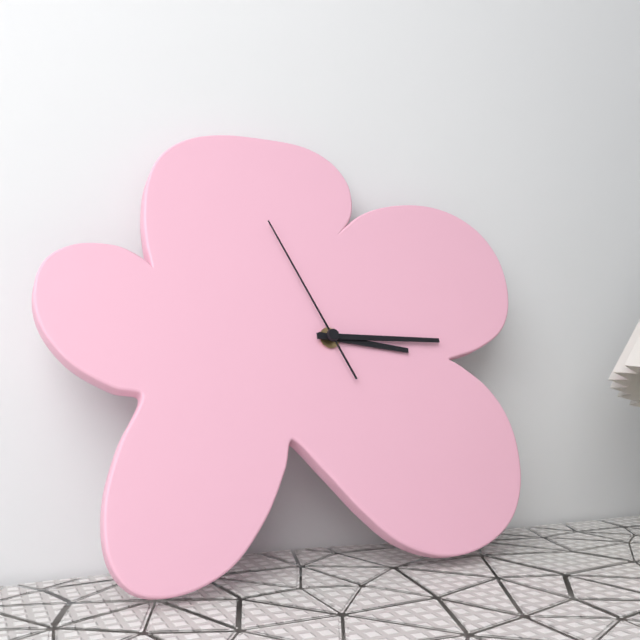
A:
3,15,56
